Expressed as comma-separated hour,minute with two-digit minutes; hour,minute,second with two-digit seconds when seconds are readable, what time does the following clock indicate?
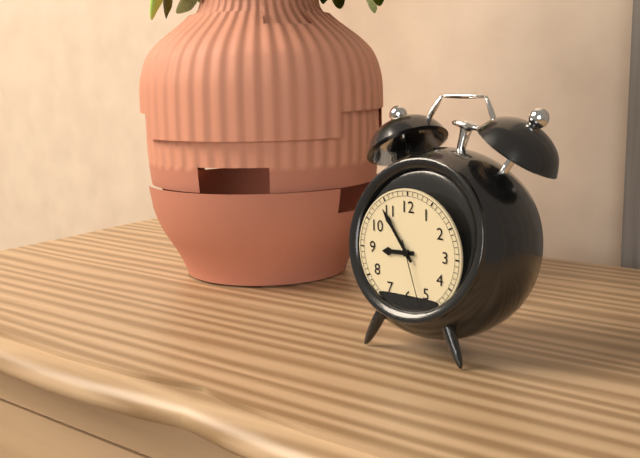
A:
8,54,27
